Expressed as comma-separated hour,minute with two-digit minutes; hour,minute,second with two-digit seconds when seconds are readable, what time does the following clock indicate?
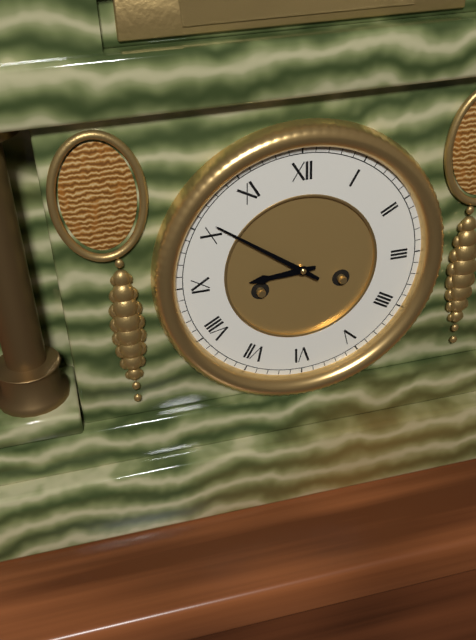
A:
8,51
